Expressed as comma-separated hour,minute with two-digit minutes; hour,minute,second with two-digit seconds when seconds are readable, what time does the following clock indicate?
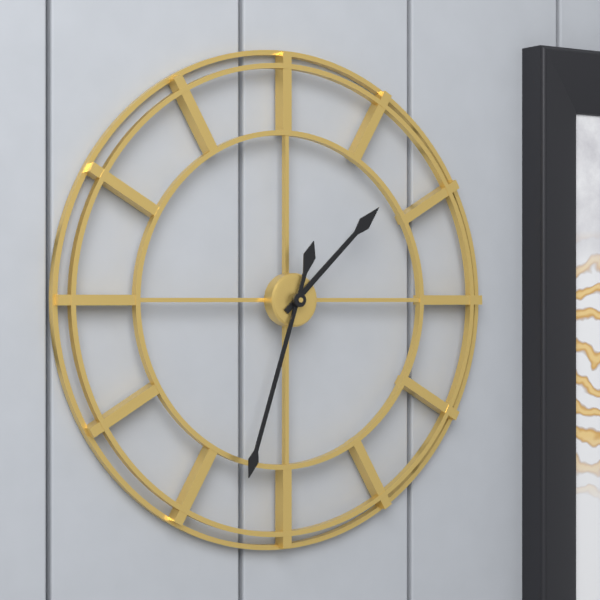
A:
1,33
